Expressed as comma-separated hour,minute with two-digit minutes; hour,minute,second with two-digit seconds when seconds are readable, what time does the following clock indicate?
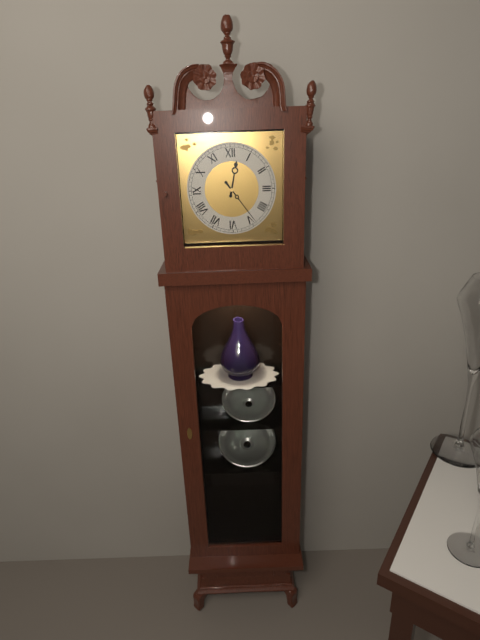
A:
12,24
